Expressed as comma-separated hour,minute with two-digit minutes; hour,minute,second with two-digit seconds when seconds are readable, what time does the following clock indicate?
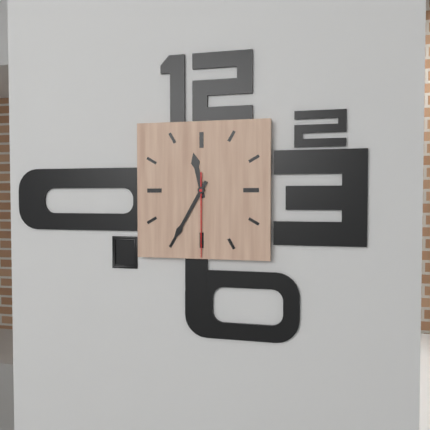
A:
11,35,30
